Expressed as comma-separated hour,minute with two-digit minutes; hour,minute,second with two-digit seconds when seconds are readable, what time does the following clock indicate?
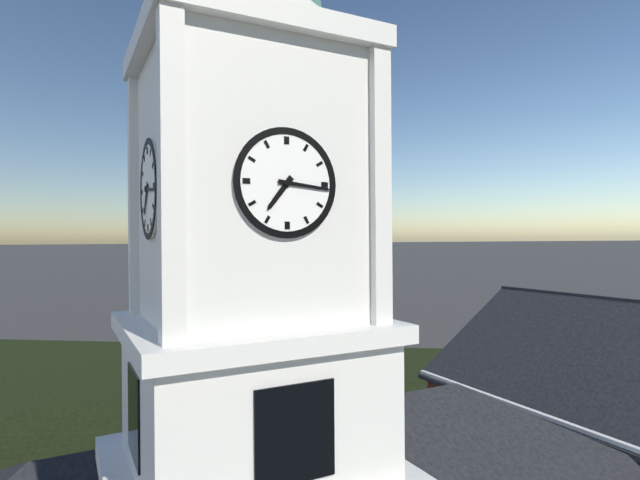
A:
7,16
